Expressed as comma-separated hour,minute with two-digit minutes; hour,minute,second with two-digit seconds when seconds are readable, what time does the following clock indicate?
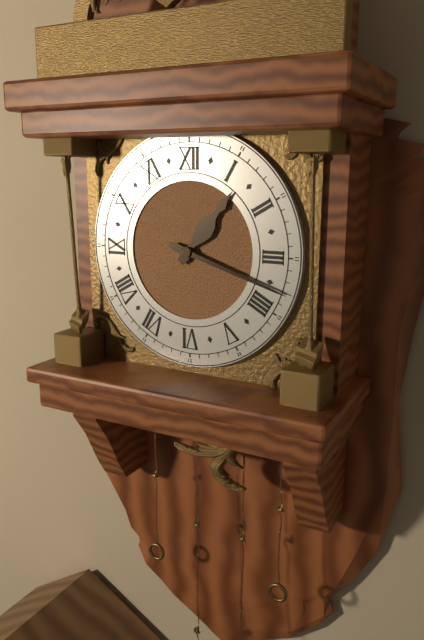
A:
1,18
